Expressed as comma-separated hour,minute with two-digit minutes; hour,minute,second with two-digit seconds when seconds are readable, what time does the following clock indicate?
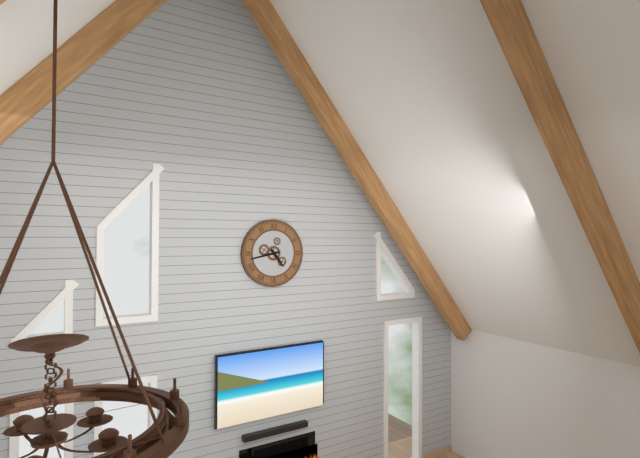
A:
4,43
